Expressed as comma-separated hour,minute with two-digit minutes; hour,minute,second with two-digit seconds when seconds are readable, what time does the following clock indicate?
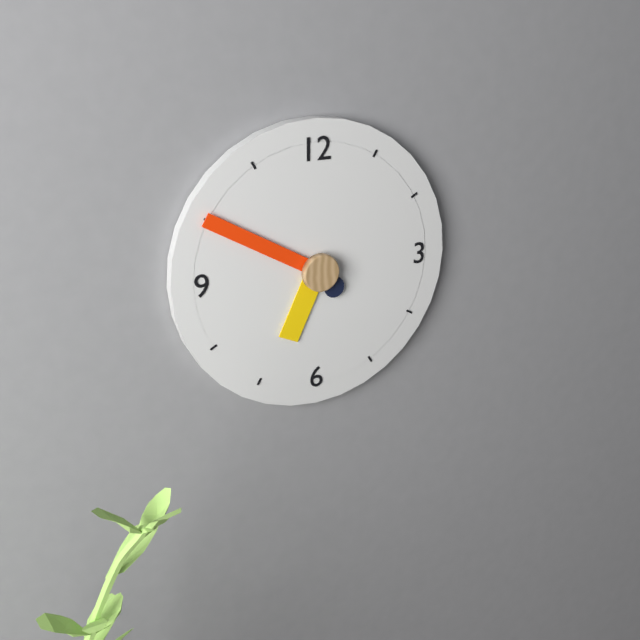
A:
6,50
